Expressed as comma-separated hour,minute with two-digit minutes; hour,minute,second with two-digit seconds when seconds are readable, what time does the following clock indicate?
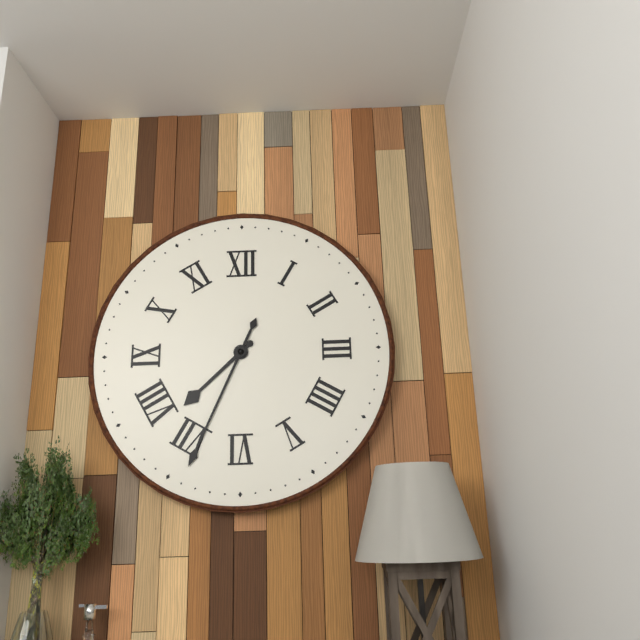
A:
7,34
